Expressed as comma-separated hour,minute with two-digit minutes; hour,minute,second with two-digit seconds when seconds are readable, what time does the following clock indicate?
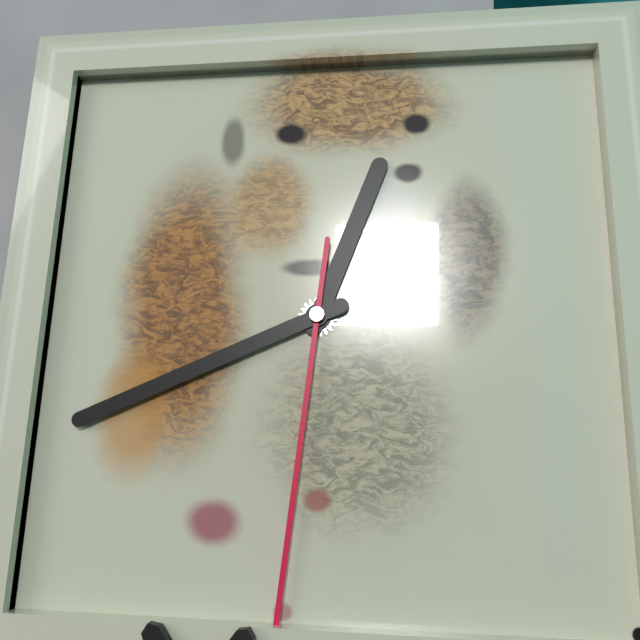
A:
12,41,31
